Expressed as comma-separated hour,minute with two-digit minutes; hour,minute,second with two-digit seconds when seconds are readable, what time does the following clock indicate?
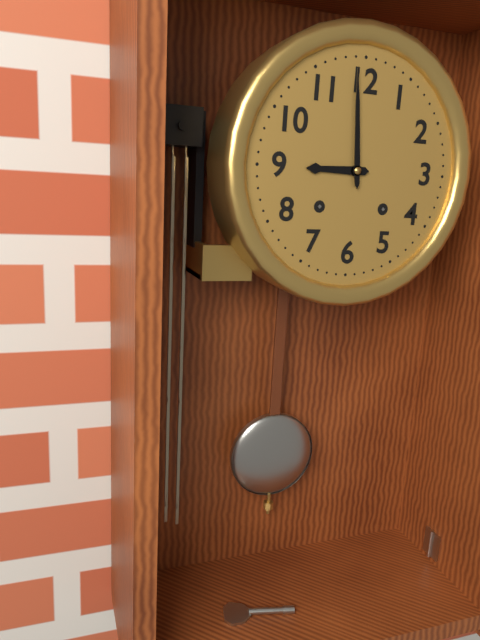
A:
8,59
